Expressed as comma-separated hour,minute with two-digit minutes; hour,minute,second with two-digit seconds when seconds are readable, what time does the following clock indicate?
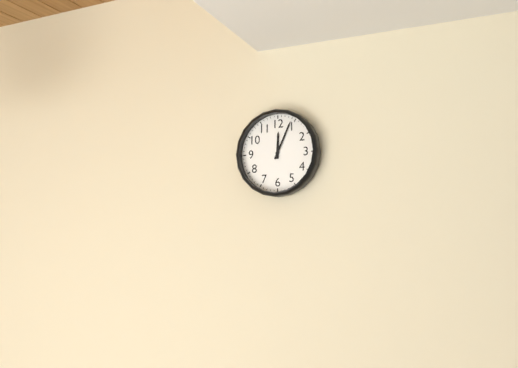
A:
12,04
